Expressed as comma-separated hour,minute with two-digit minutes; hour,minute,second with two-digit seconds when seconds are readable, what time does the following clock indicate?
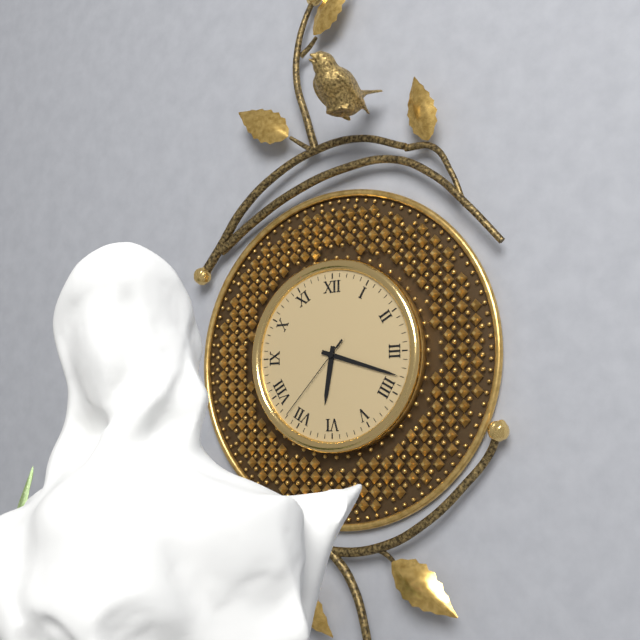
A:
6,18,37
